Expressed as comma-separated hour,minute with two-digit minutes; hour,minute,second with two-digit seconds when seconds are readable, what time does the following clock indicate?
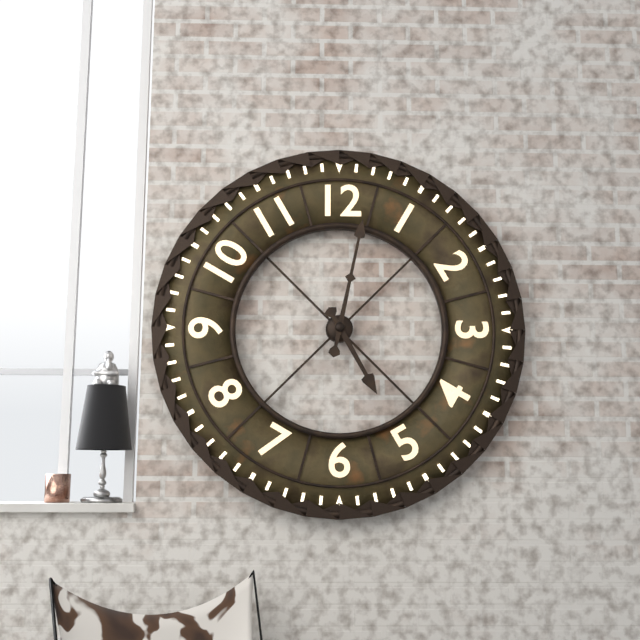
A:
5,02
